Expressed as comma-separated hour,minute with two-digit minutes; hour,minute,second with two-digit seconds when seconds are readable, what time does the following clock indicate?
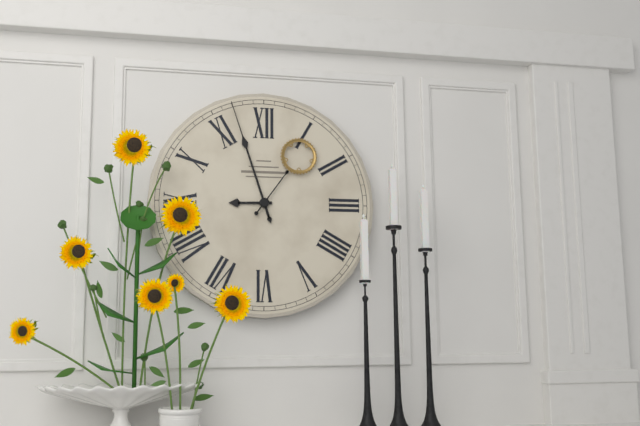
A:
8,57,06
